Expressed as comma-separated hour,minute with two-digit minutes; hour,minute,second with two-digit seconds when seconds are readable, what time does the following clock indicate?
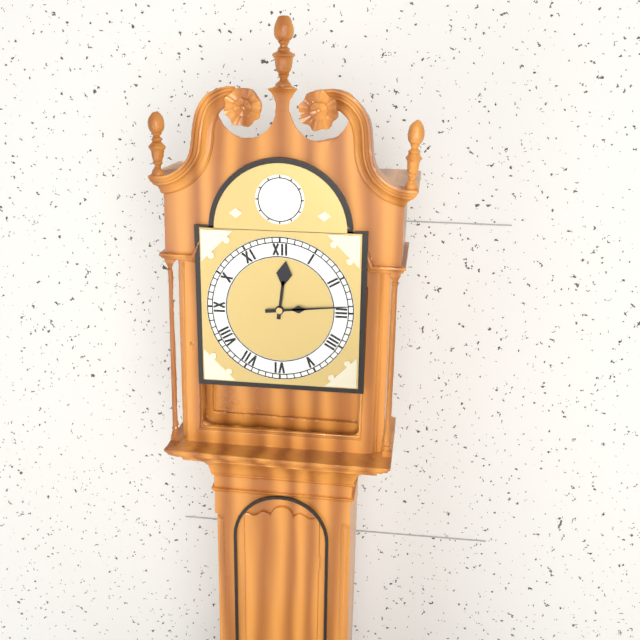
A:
12,14
